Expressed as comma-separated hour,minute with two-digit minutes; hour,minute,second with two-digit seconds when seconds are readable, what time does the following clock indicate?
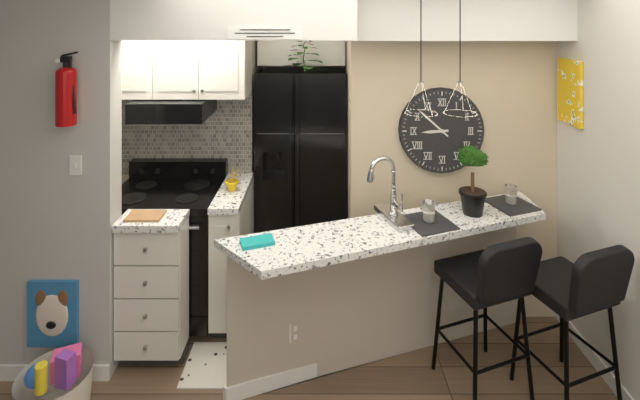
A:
8,52
